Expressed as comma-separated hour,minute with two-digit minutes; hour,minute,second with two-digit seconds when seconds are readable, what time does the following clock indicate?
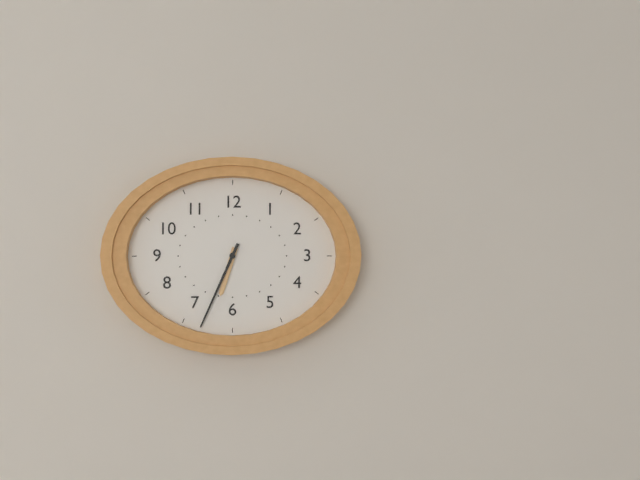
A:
6,34
